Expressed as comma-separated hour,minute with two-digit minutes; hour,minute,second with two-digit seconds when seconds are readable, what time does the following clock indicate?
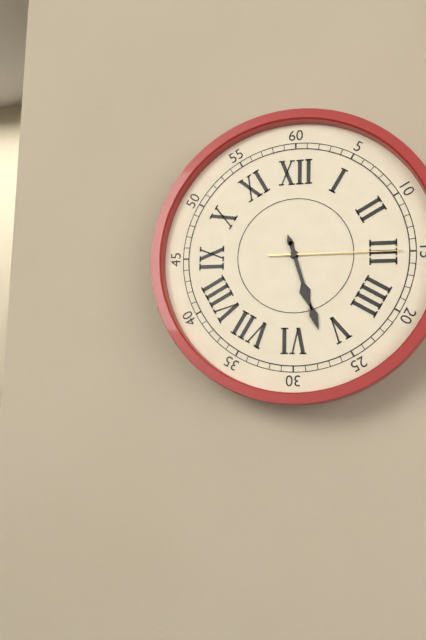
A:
5,27,15
